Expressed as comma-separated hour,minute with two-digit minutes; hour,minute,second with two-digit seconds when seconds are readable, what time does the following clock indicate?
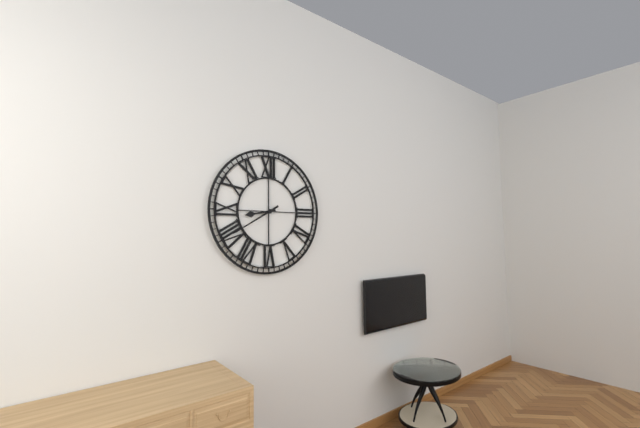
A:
8,40
